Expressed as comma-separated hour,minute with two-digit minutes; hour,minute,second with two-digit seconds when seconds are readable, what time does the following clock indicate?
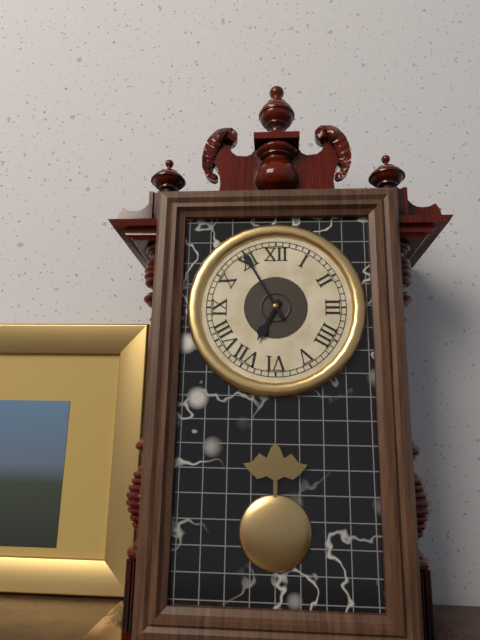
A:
6,55
